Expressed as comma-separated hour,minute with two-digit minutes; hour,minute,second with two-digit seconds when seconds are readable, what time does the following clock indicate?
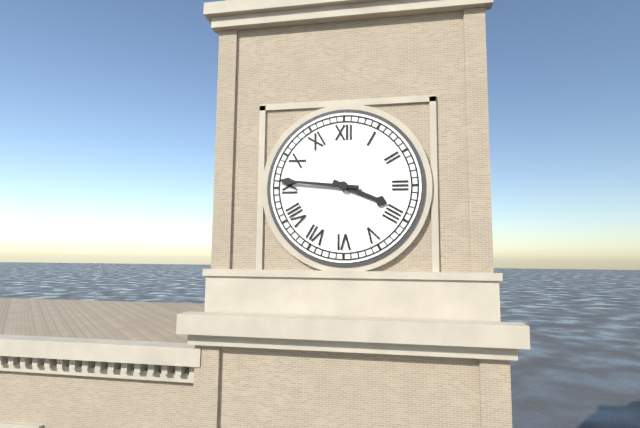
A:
3,46
